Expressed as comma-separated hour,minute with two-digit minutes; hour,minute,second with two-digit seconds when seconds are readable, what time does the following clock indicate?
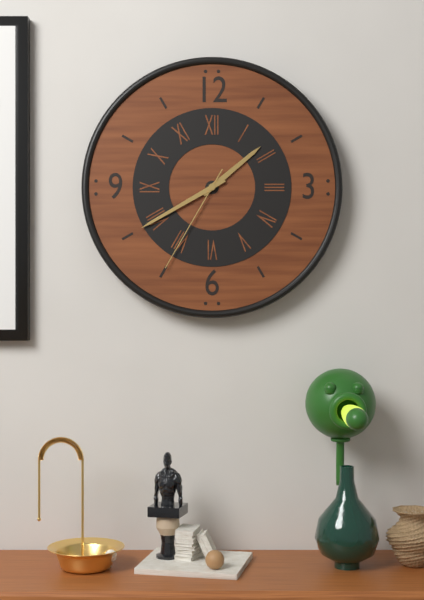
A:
1,40,35
